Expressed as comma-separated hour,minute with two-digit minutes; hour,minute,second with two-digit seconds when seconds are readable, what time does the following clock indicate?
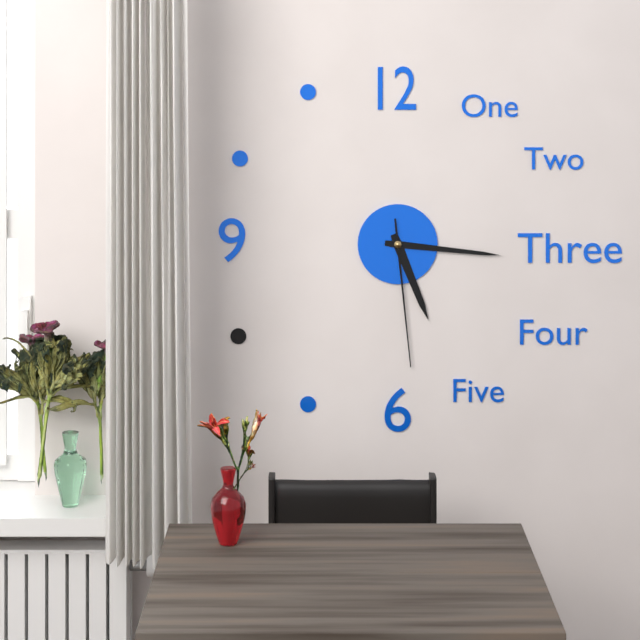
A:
5,16,29
